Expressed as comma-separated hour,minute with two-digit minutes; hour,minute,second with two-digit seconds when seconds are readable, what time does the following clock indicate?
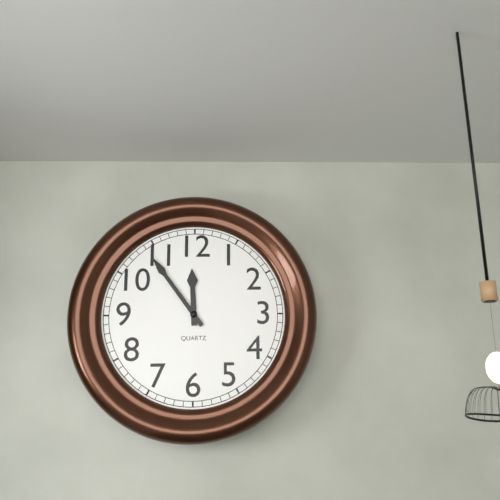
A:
11,54
